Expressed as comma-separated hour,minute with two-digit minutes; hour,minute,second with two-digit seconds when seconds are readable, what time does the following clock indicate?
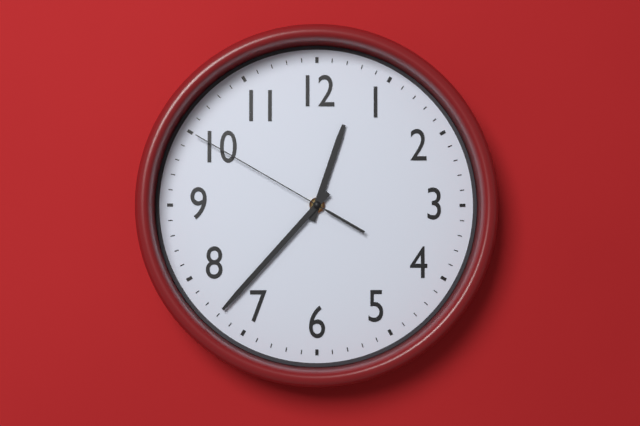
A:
12,37,50
